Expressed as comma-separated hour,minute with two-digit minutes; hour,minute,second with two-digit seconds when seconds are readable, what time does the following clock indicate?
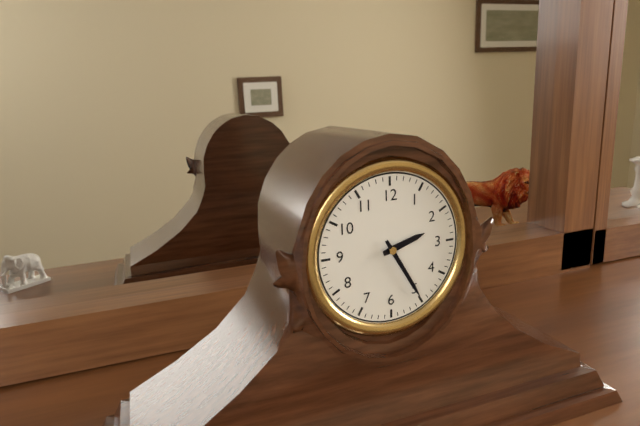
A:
2,25
